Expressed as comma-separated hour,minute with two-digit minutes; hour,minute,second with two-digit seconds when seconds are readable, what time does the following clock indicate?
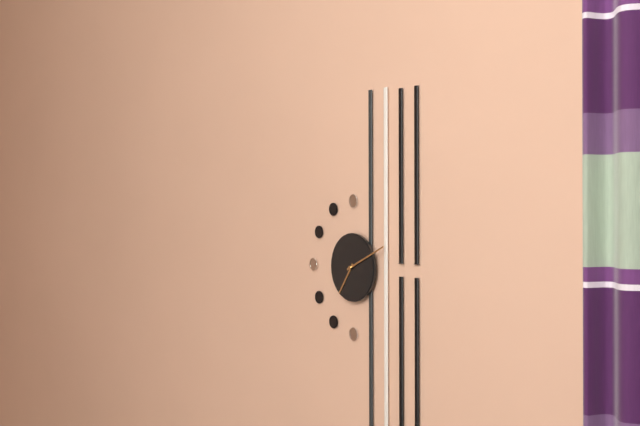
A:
7,11
